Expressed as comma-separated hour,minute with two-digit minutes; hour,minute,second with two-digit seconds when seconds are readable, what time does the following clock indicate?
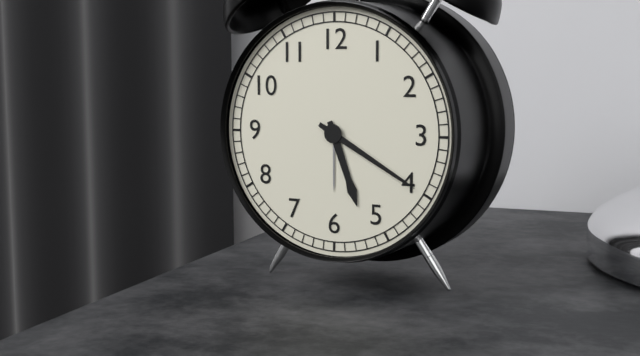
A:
5,20
